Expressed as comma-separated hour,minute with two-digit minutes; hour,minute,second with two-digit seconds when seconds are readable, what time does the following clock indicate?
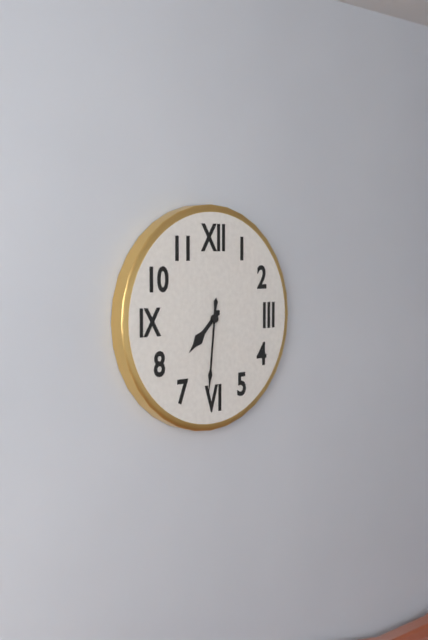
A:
7,31
